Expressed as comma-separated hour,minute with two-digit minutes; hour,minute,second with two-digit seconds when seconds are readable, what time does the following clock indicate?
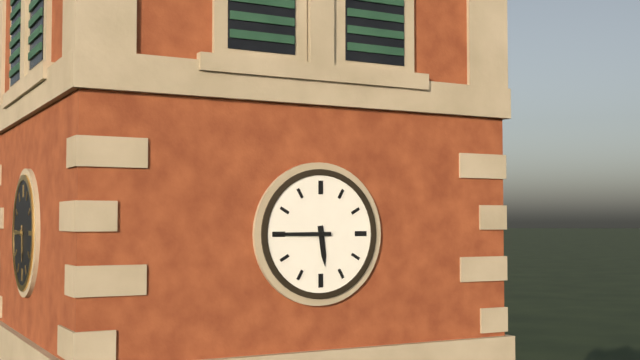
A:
5,45
